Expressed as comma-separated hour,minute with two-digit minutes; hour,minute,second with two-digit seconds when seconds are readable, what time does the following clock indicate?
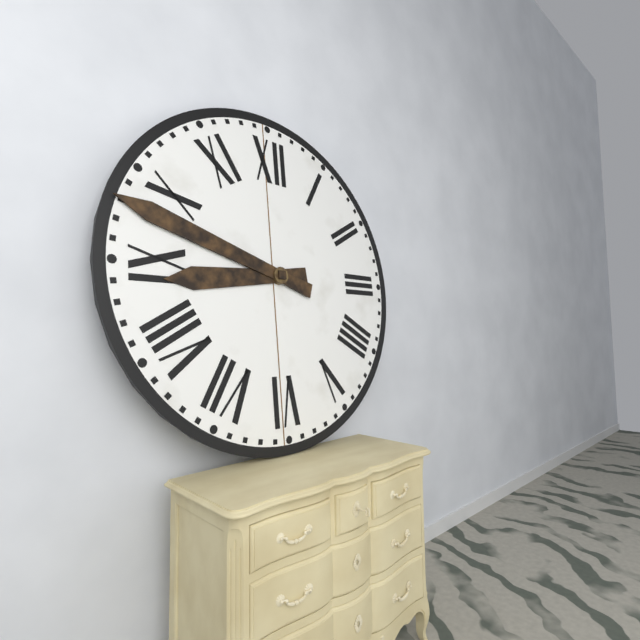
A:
8,48
